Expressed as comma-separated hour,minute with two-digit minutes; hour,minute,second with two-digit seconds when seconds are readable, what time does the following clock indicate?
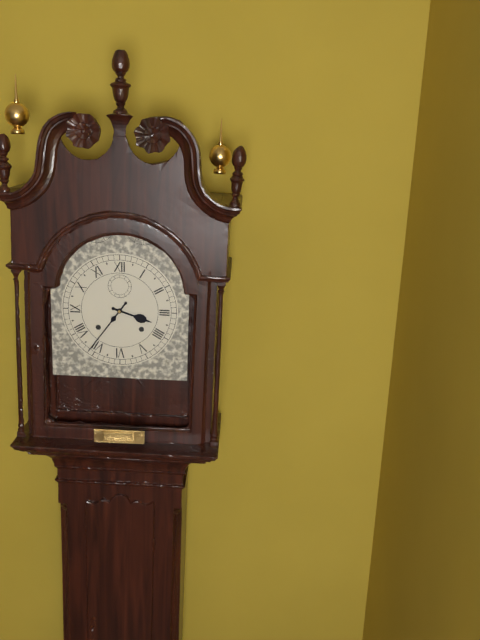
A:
3,36
